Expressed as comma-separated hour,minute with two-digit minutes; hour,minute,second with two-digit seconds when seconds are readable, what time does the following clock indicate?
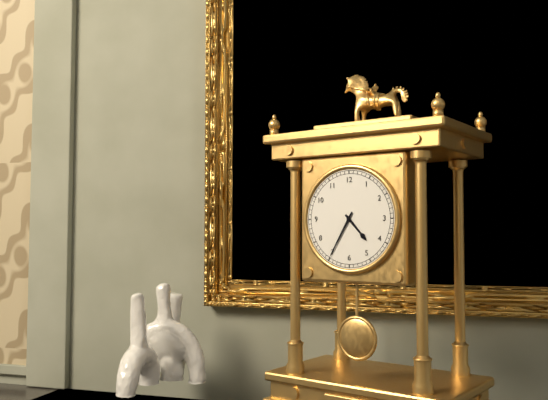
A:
4,35
